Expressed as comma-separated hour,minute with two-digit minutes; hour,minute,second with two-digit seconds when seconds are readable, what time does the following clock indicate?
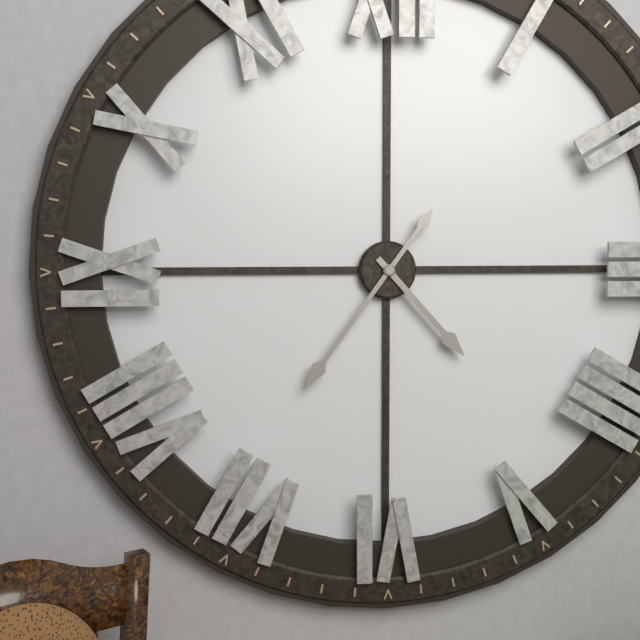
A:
4,36
